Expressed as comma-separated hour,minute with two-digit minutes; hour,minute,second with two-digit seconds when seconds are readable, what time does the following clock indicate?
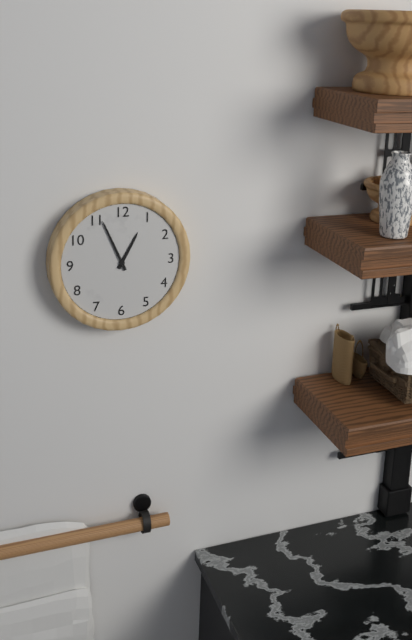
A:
12,56
